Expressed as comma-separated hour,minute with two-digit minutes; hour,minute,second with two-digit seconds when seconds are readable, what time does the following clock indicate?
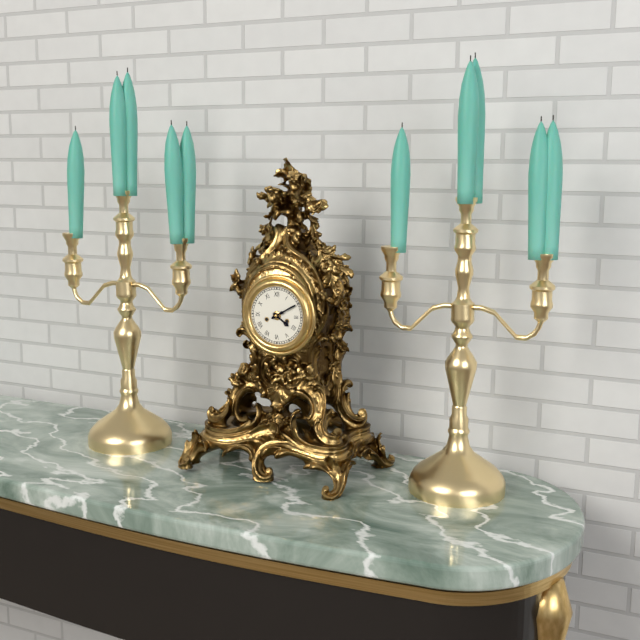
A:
4,10
